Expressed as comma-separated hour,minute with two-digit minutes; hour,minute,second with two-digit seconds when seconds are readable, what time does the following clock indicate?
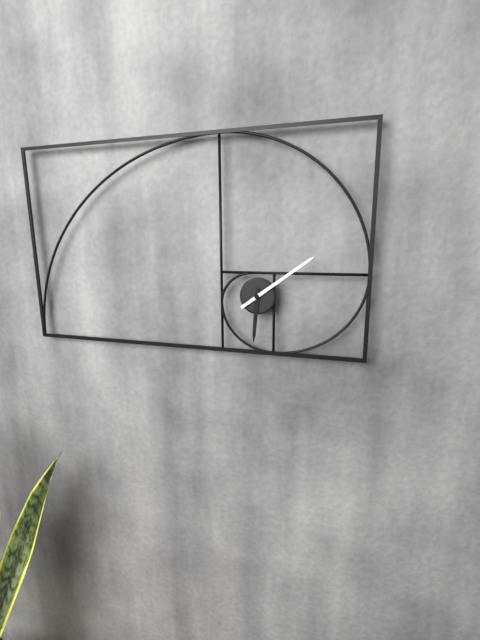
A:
6,09
